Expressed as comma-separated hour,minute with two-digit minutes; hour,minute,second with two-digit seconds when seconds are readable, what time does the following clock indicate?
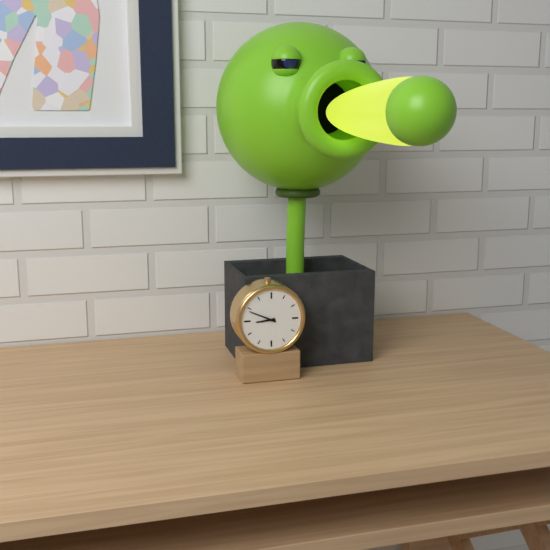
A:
8,49
